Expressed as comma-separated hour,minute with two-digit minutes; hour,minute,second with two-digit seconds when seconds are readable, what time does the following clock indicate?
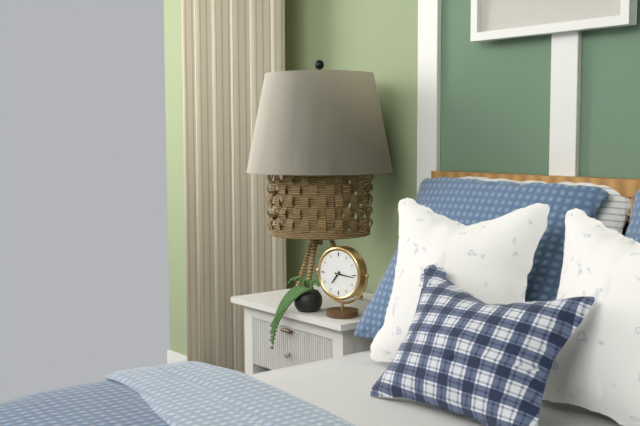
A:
7,16
